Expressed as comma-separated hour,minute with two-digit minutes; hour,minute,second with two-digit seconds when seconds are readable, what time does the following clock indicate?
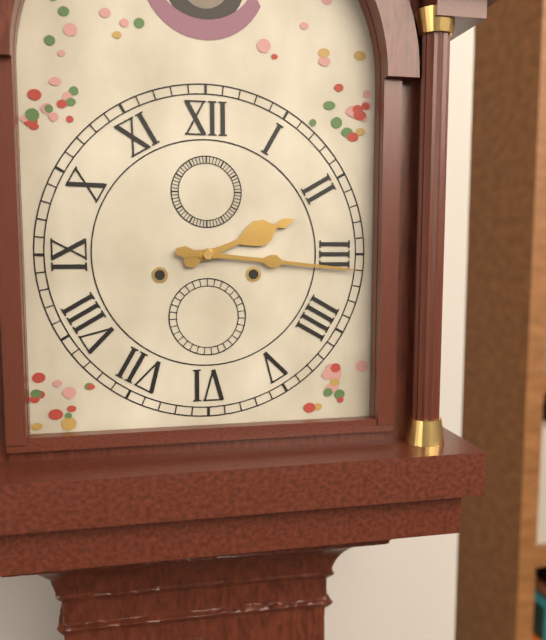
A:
2,16
